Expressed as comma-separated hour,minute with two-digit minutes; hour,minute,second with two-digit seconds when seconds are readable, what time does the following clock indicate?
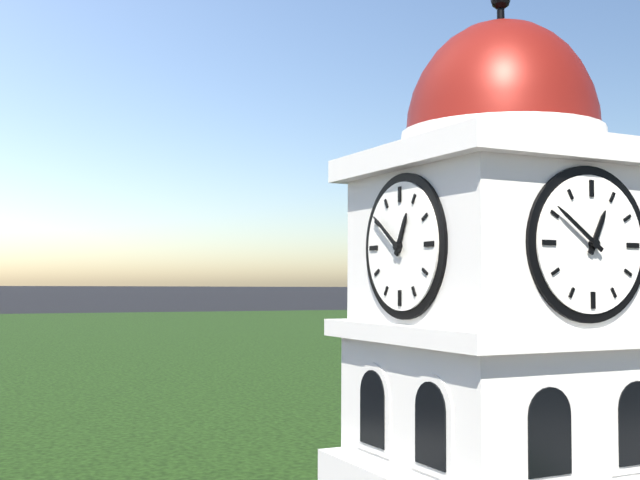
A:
12,51
